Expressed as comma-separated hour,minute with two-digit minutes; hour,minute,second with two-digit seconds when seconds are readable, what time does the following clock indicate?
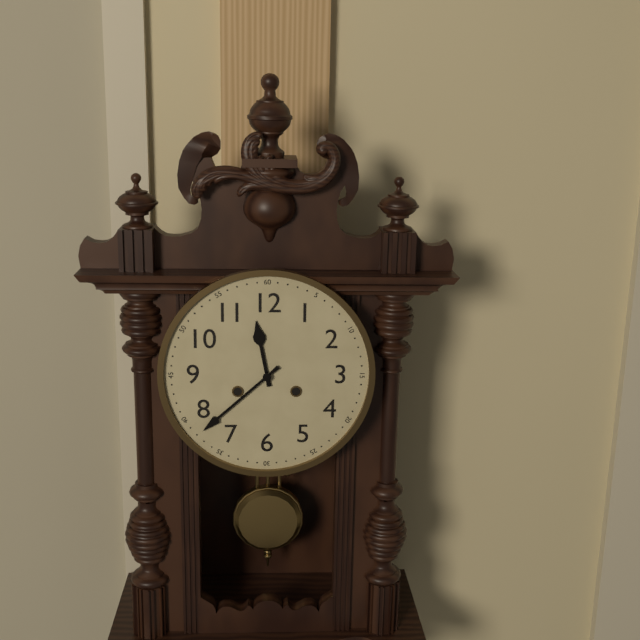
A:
11,38
